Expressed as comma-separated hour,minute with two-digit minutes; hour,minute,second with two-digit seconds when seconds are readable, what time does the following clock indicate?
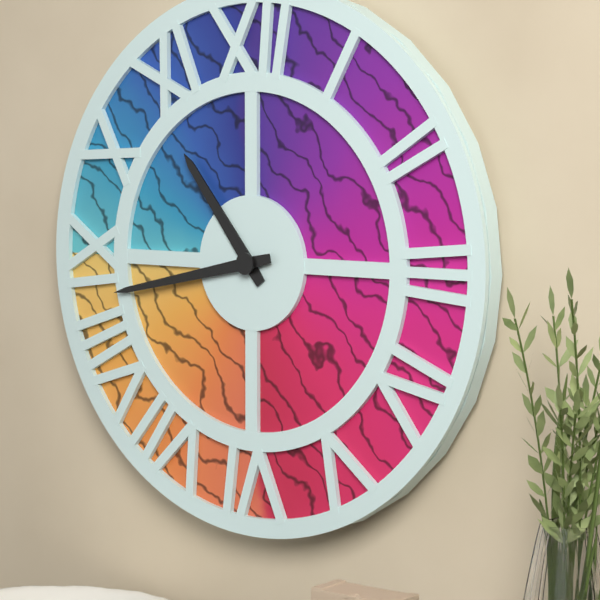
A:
10,43
